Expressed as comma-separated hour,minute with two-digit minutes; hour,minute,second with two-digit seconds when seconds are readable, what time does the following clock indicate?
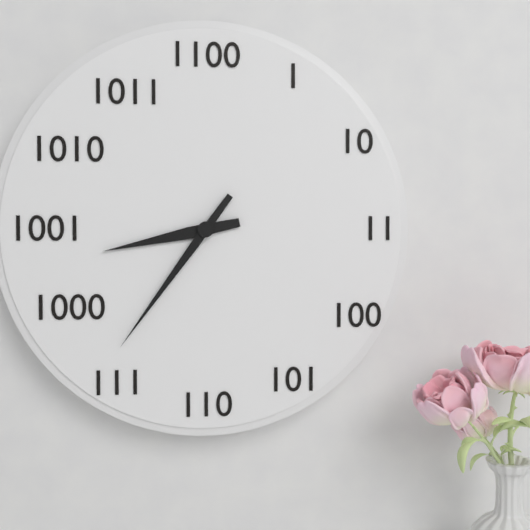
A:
8,36
